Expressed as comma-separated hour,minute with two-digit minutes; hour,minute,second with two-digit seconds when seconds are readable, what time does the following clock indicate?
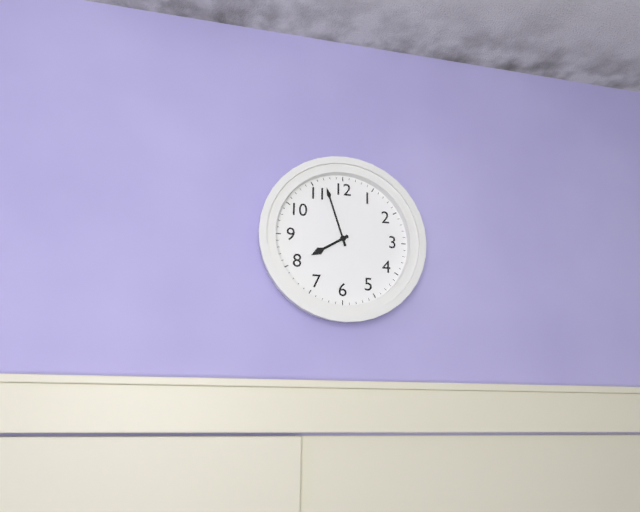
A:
7,57
